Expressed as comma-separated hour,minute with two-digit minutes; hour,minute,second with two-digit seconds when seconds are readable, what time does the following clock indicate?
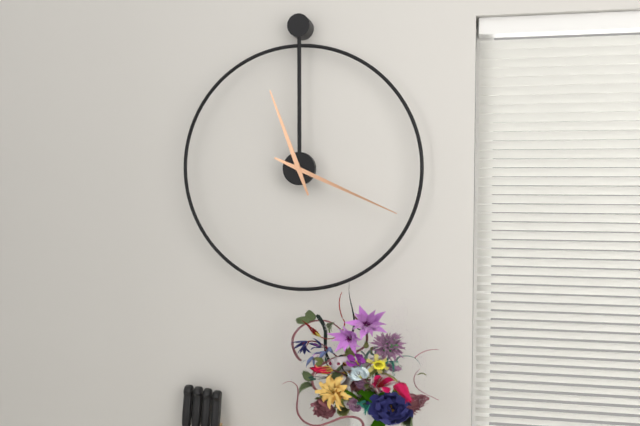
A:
11,19
